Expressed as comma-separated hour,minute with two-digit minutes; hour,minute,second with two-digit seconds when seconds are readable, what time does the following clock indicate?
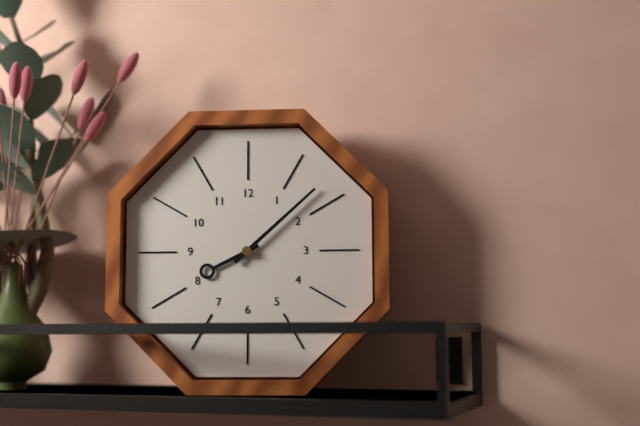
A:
8,08
